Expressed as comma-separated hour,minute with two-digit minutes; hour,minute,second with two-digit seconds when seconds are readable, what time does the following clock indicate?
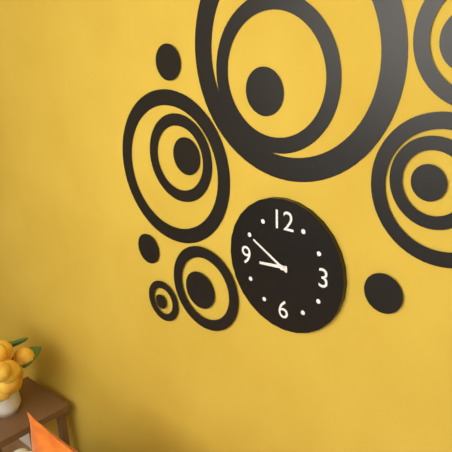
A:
8,50
